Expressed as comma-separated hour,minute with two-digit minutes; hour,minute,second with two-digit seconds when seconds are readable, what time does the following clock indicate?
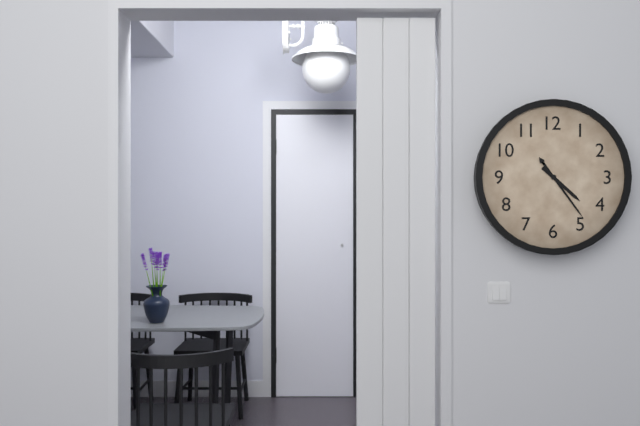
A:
4,24
